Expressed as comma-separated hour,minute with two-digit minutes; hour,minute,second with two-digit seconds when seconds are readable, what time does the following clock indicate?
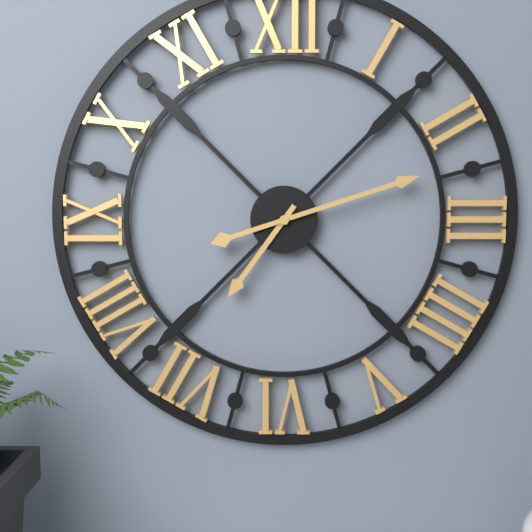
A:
7,12
